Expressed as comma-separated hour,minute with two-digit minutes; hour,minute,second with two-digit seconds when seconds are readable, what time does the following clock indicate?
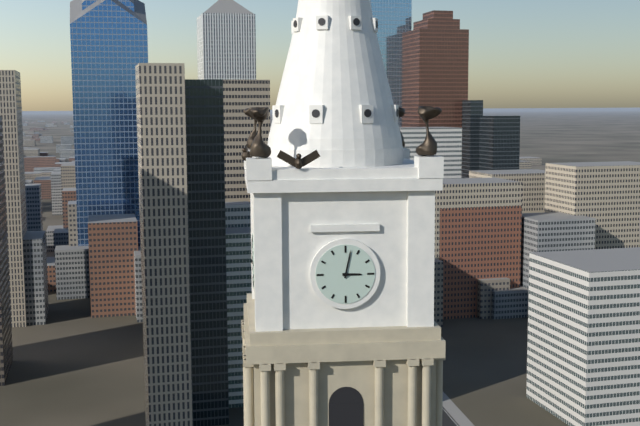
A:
3,02
